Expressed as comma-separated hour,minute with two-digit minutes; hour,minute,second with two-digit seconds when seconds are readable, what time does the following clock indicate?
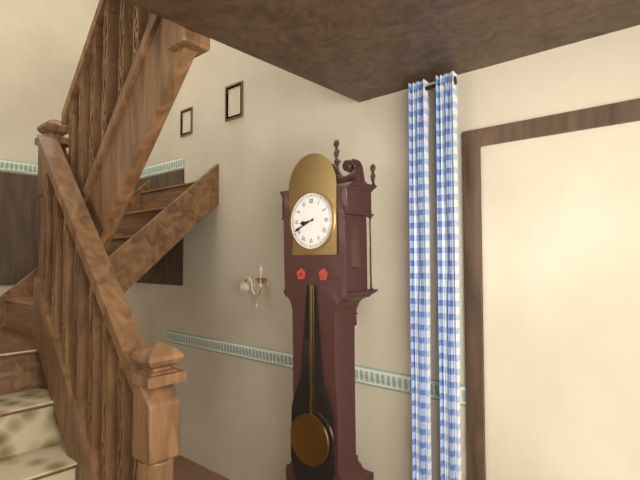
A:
8,41
